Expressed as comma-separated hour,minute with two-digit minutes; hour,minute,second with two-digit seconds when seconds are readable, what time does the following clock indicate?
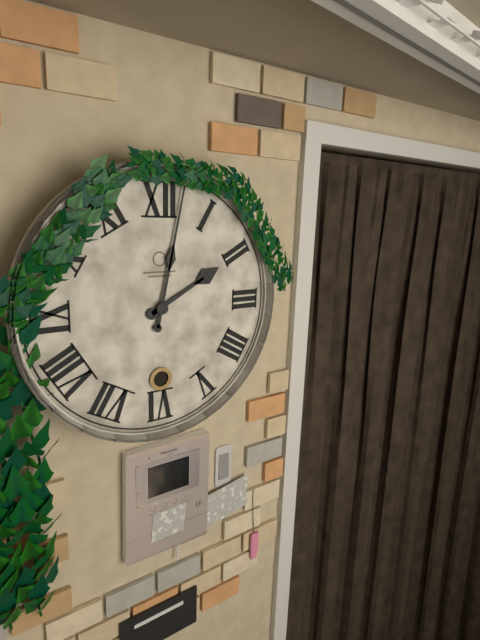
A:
2,02
